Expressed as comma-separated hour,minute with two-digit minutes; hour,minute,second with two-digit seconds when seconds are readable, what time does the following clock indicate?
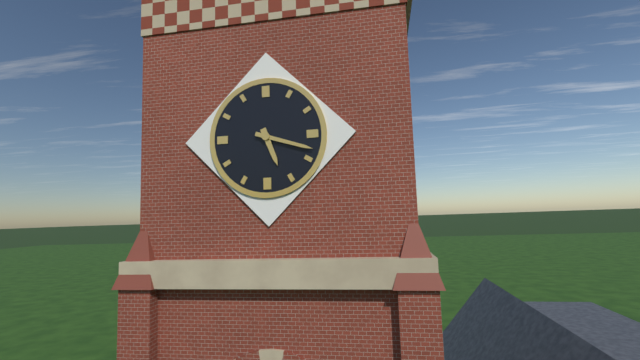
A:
5,18
